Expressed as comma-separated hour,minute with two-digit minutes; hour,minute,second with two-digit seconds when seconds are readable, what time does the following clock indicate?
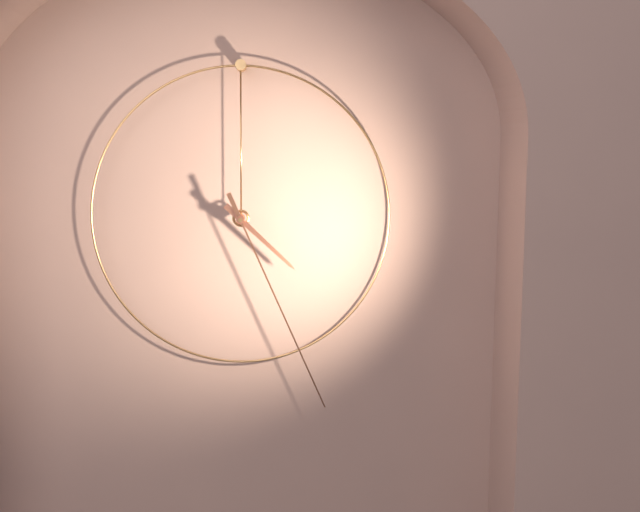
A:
4,26
